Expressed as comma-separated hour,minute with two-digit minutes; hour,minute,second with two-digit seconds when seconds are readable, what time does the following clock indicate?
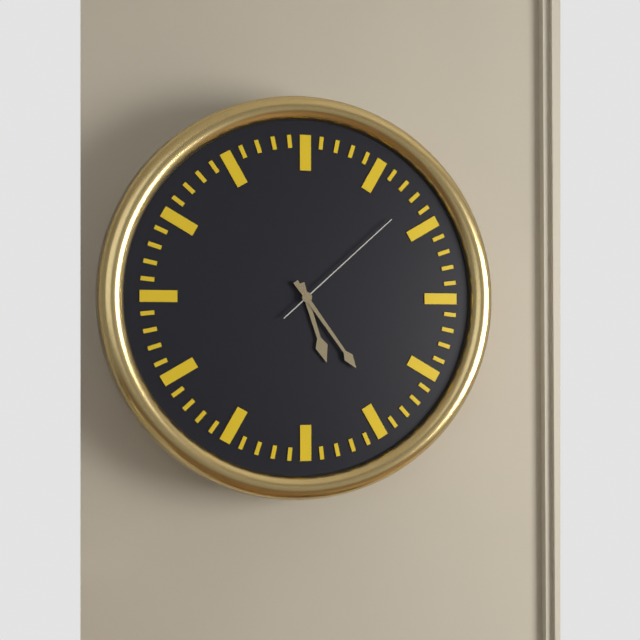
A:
5,24,08
